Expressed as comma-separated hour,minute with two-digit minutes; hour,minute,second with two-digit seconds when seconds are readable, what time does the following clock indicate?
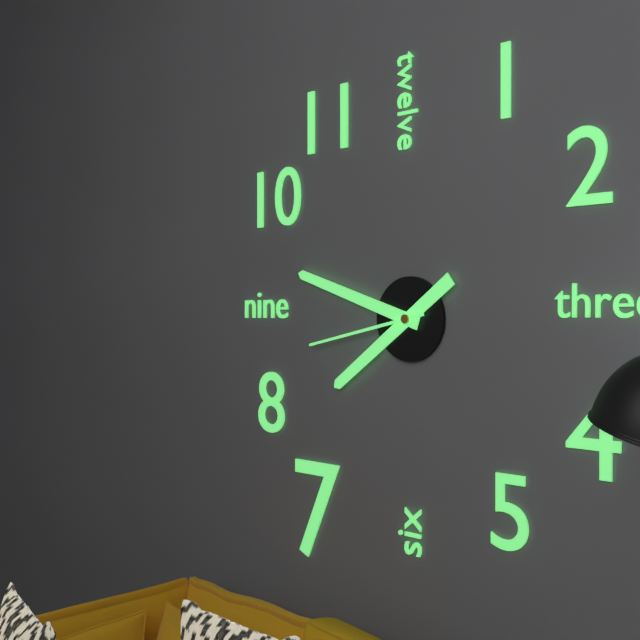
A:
7,48,43
